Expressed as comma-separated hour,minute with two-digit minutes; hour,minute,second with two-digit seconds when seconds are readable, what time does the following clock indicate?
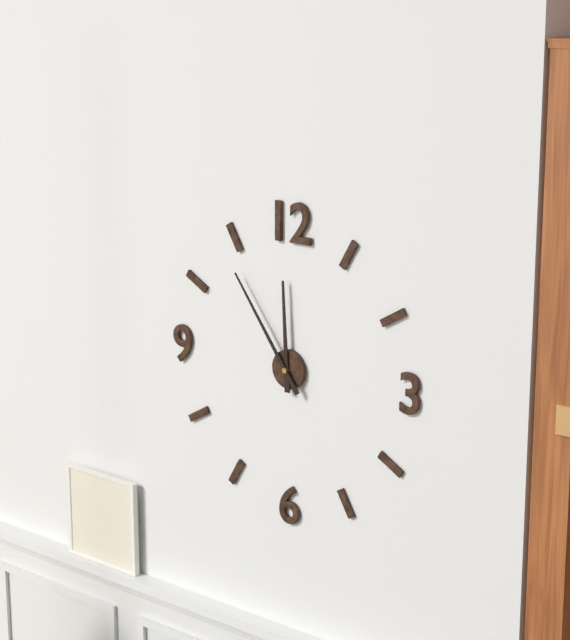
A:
11,54
